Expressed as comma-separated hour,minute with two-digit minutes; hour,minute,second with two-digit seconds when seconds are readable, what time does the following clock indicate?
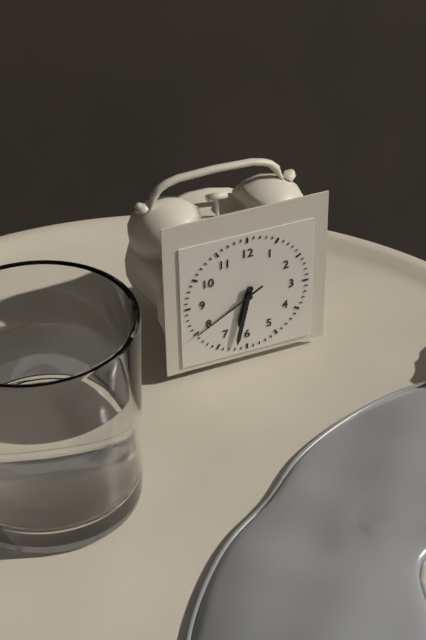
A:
6,32,40
